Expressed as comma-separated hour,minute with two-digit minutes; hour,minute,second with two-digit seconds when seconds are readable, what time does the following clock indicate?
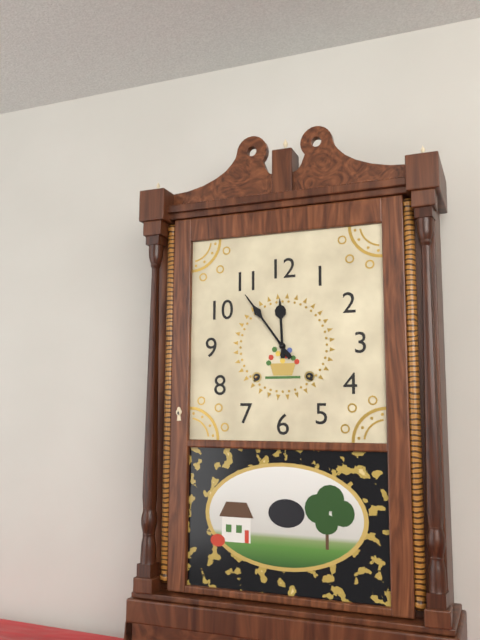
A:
11,54
